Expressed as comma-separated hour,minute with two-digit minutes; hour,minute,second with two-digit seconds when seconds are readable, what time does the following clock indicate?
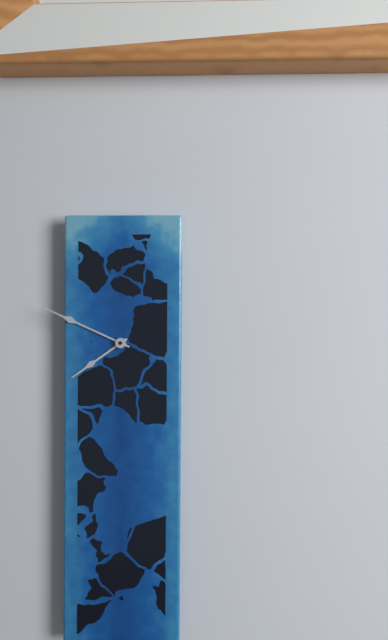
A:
7,49
